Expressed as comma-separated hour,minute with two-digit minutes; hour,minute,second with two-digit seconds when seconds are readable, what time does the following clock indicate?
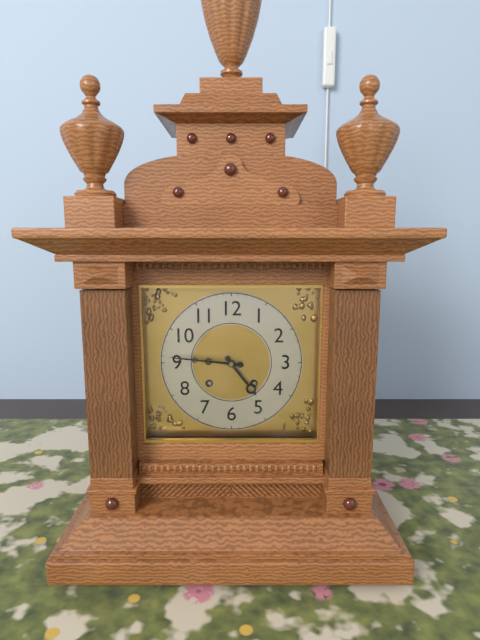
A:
4,46
